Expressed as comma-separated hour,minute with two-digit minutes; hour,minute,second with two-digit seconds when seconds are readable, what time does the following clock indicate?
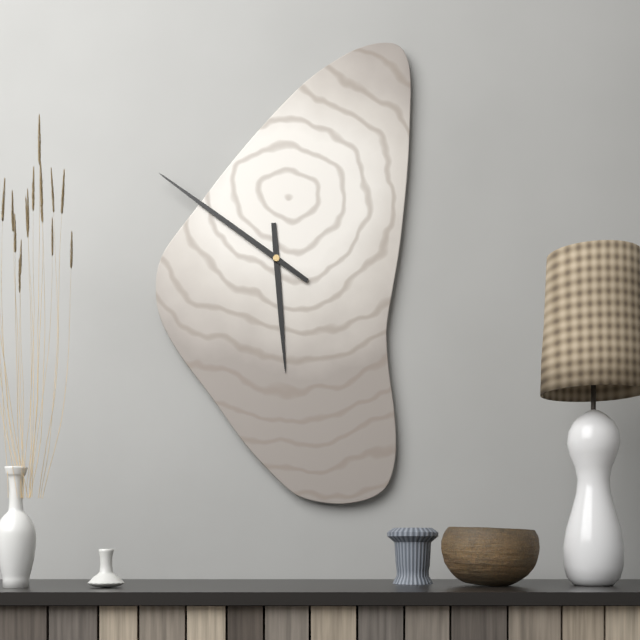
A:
5,51
